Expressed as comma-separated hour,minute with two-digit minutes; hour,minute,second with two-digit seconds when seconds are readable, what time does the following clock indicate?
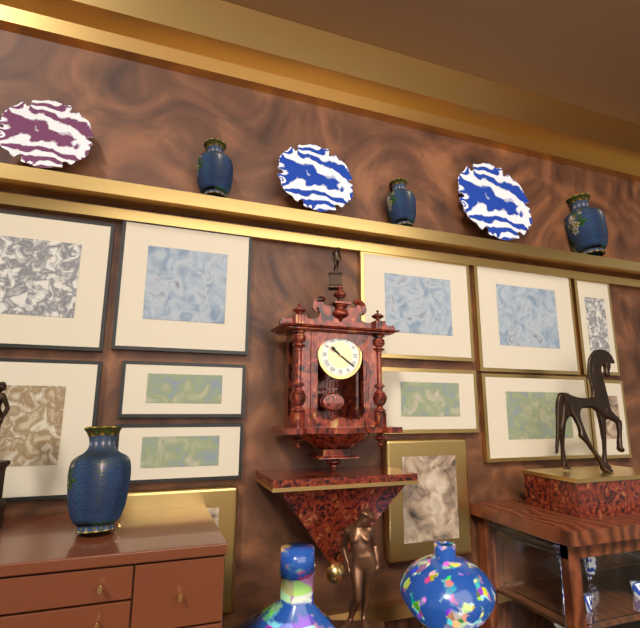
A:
10,21
